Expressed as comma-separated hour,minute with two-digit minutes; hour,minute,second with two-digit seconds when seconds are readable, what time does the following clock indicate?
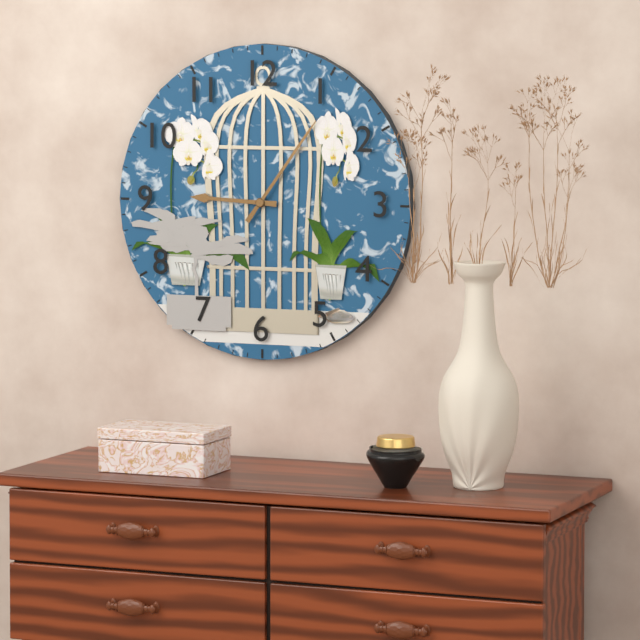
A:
9,06
